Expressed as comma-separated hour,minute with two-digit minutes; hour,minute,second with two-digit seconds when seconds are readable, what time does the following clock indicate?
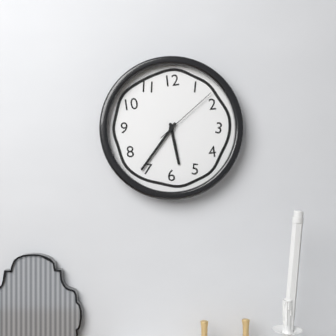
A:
5,36,08
